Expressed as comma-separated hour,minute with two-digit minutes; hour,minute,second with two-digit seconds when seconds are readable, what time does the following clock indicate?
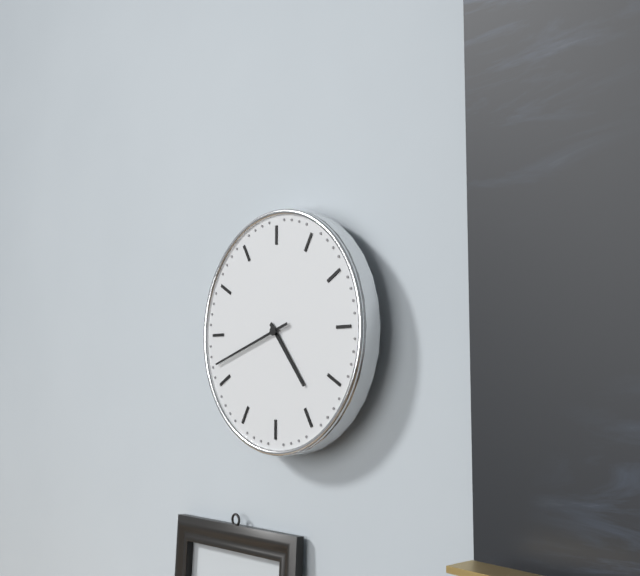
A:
4,42
